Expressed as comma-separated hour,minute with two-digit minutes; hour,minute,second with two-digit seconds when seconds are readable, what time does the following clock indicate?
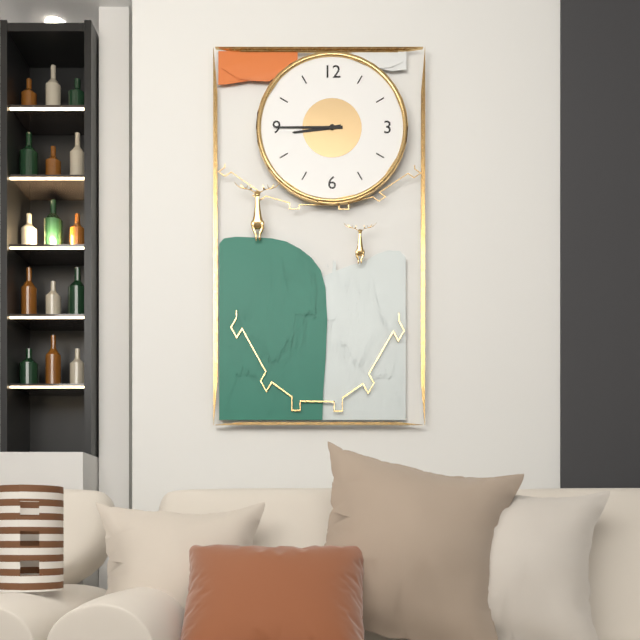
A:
8,45
